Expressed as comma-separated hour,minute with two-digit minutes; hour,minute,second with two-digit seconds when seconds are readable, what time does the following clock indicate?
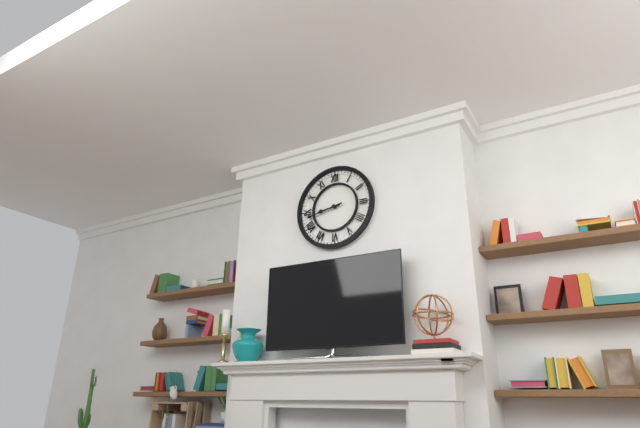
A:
8,43
